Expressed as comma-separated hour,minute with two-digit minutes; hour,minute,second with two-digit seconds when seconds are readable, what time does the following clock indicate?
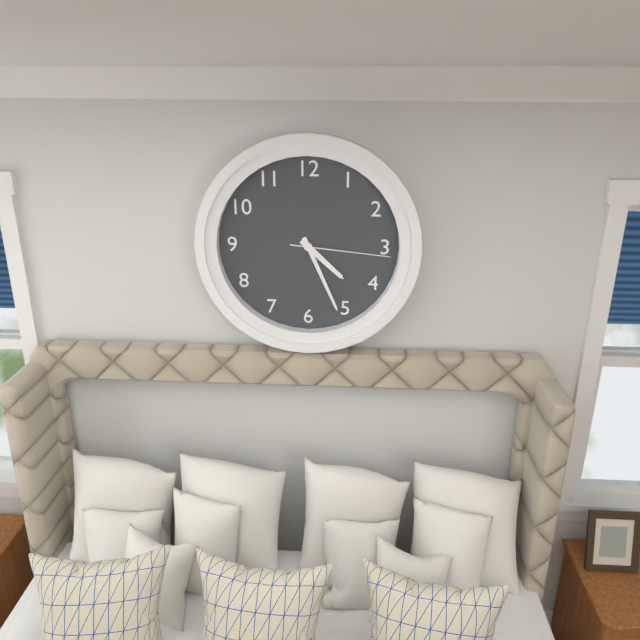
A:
4,26,16
